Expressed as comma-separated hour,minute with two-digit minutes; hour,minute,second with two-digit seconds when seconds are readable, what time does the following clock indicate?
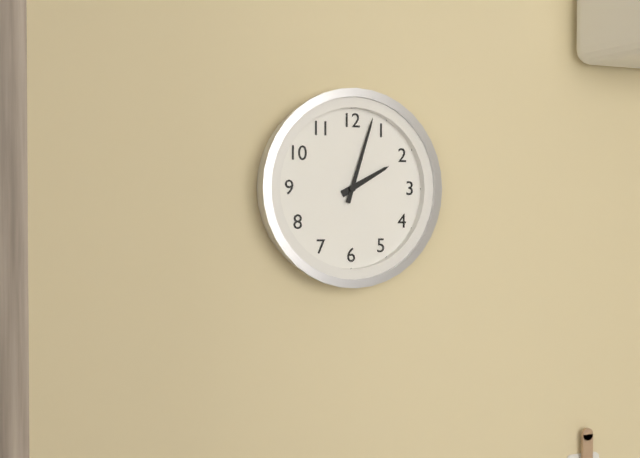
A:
2,03
